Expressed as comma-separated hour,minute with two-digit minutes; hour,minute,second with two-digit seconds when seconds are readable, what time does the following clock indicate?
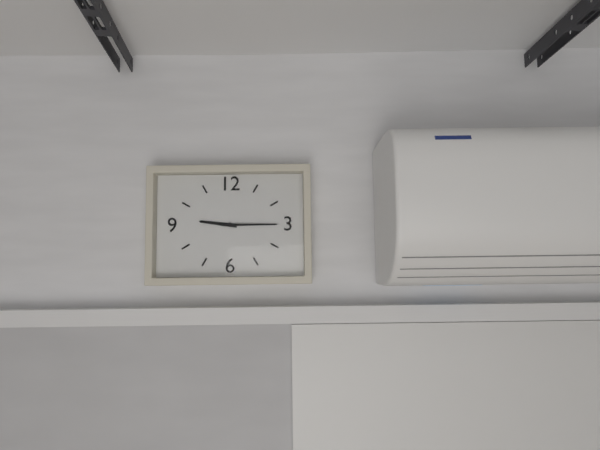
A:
9,15
